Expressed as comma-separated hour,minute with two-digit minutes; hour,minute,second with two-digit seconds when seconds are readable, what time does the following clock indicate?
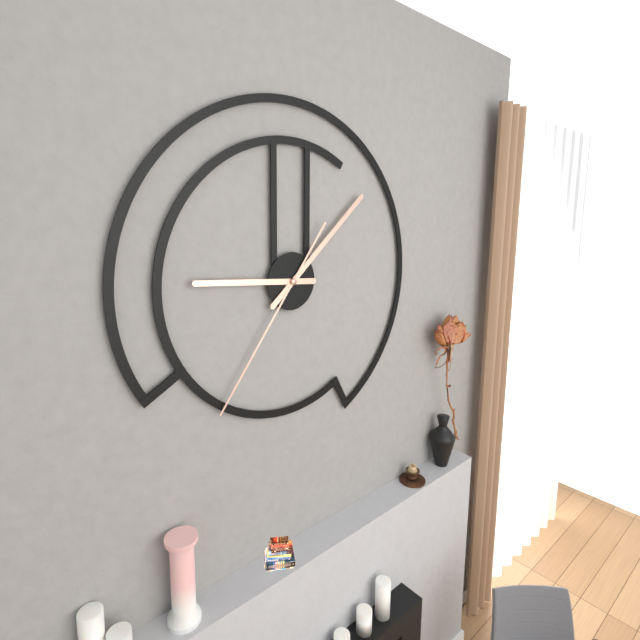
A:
9,08,36
